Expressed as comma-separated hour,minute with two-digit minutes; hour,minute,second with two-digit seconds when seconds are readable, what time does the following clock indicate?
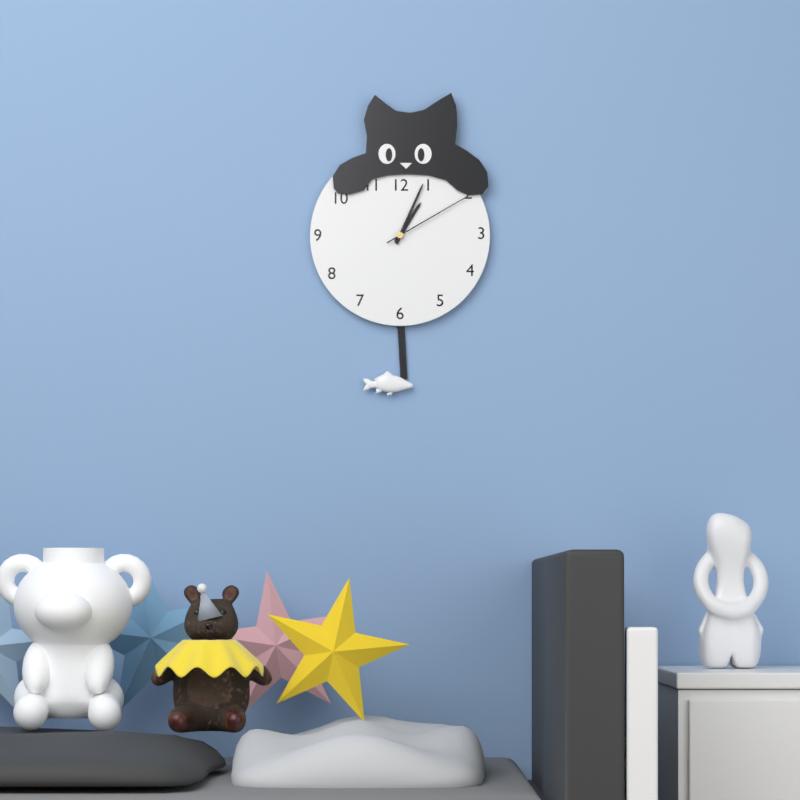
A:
1,04,10
